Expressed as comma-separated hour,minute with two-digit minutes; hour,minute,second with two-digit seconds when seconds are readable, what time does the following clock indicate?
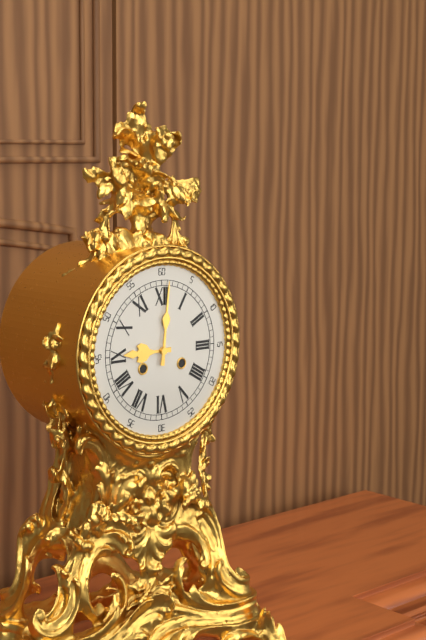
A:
9,01
